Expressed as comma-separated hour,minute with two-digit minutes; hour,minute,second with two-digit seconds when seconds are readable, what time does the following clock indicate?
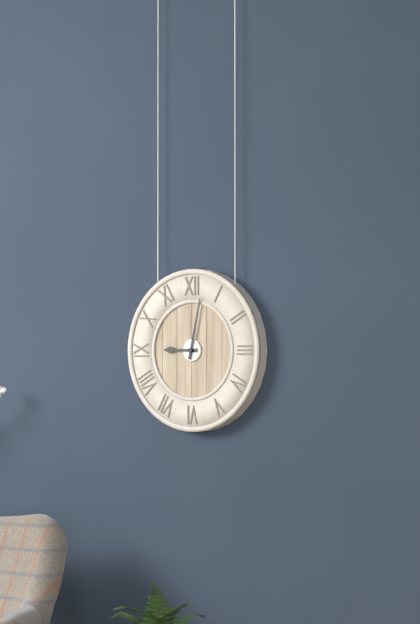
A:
9,02
